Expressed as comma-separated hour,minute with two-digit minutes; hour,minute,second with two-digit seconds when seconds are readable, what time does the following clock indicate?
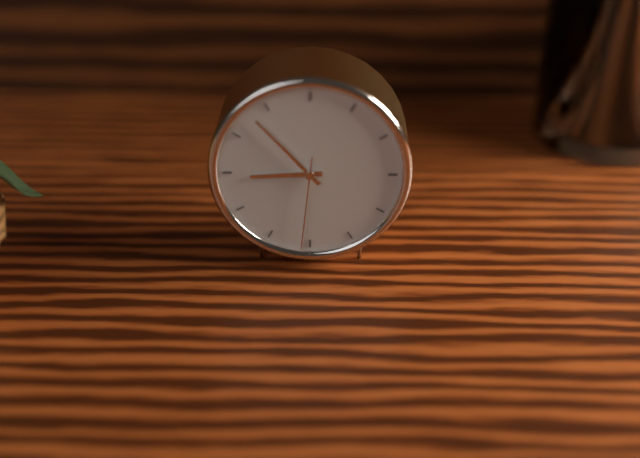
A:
8,53,31
